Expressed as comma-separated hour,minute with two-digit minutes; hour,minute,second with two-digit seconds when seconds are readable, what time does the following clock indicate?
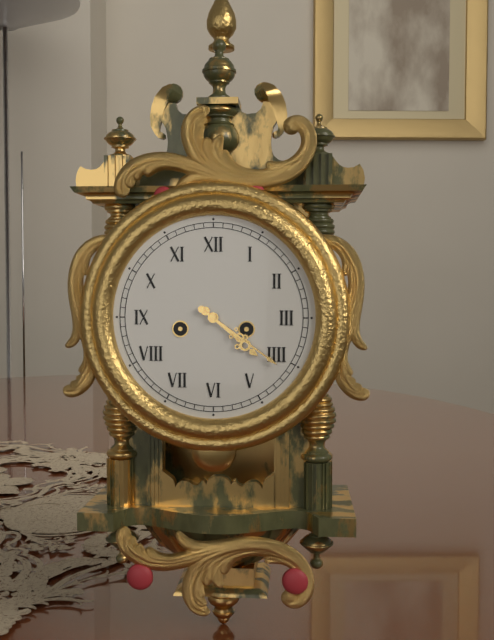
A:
4,21
